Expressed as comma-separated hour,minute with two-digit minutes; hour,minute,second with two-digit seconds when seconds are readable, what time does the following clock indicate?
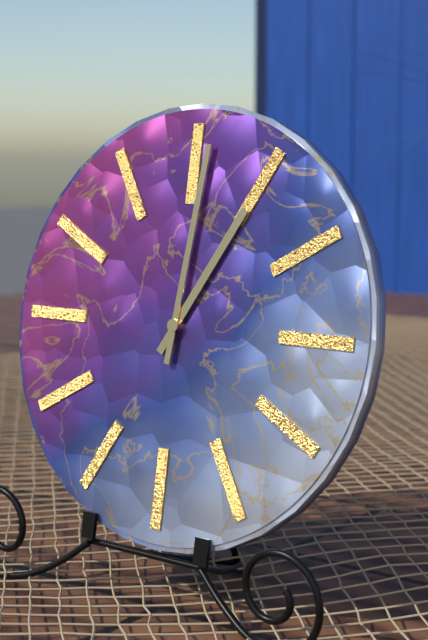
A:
1,01
